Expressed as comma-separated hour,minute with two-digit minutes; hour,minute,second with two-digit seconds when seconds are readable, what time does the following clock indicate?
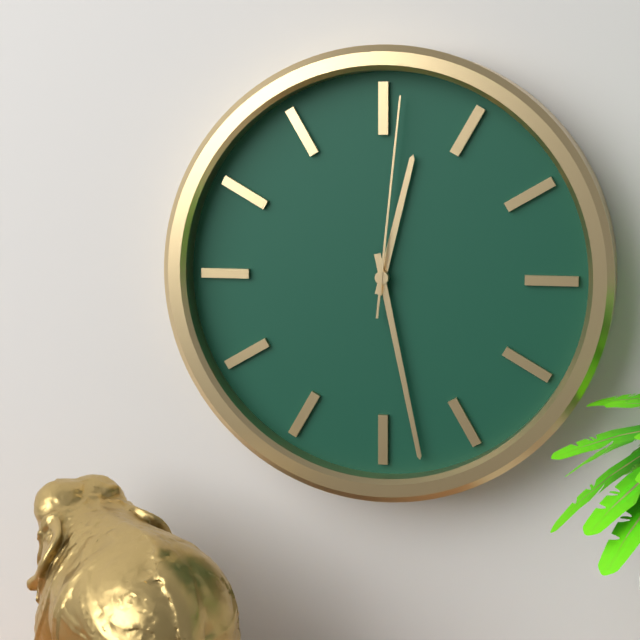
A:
12,28,01
